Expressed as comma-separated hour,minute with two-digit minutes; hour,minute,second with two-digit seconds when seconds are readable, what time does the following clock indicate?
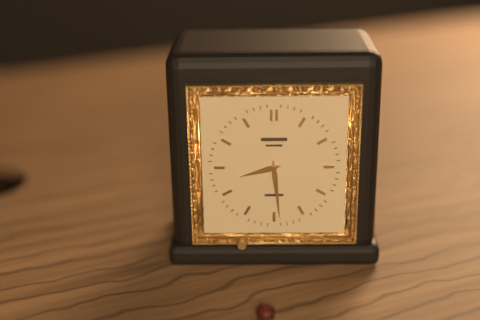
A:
8,29
